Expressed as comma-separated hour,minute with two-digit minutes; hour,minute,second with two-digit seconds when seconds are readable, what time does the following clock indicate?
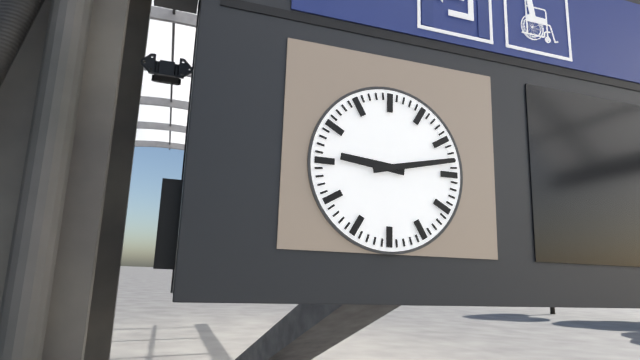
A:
9,13
